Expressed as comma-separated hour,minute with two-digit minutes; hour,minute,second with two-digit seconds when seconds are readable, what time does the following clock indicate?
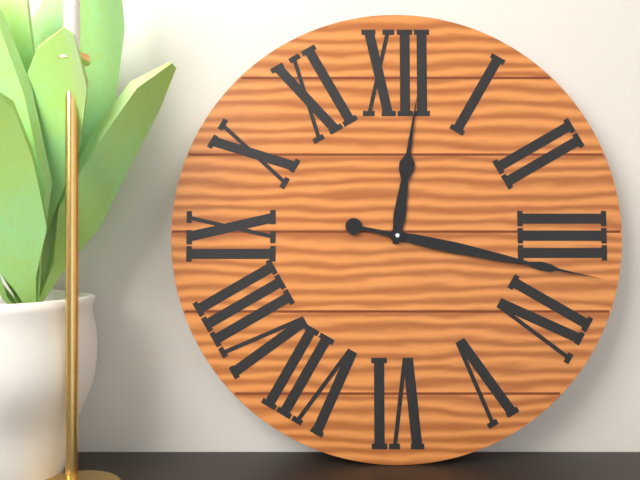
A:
12,17
